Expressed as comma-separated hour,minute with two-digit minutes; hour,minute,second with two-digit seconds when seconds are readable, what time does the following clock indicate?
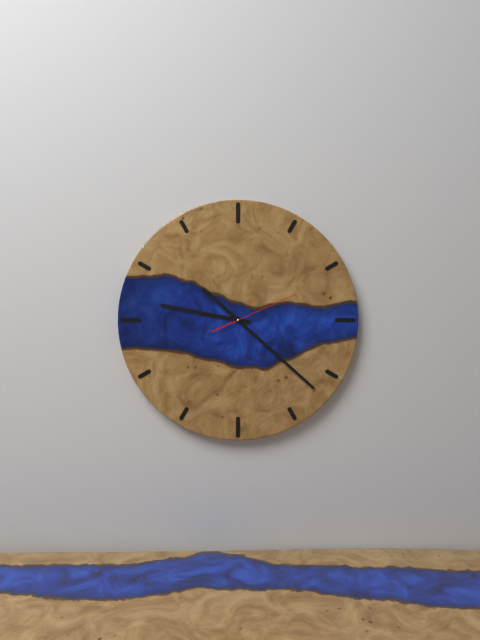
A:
9,22,11
